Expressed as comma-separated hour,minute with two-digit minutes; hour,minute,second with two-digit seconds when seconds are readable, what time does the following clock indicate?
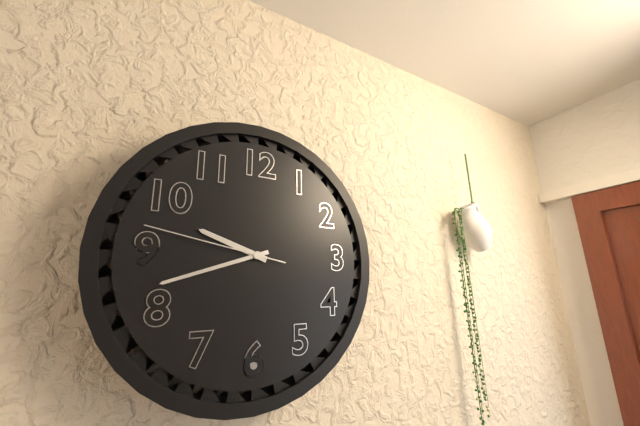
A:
9,42,47
